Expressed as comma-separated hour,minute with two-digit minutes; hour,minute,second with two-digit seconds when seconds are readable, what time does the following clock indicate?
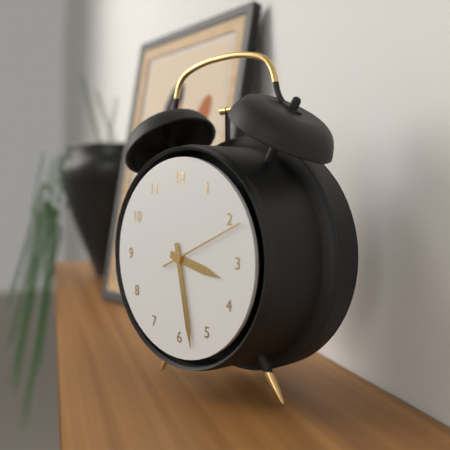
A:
3,28,11
